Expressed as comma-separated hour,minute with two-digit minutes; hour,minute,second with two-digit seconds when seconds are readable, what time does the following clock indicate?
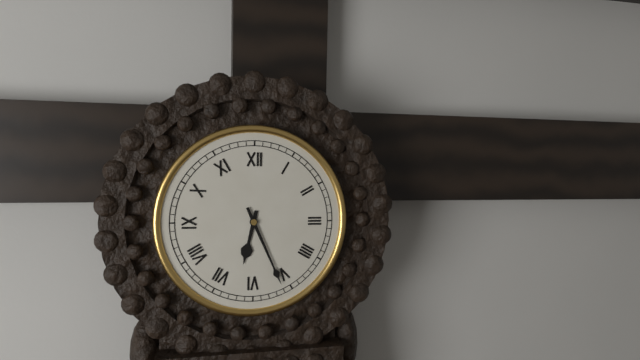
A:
6,26
